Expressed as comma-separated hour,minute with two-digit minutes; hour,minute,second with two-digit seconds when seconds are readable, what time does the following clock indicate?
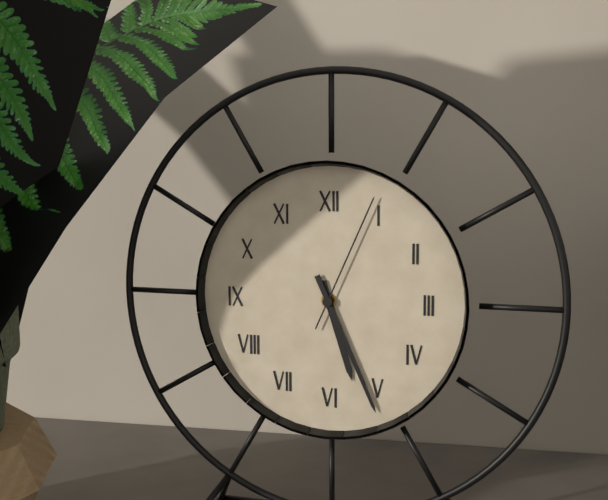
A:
5,26,04
